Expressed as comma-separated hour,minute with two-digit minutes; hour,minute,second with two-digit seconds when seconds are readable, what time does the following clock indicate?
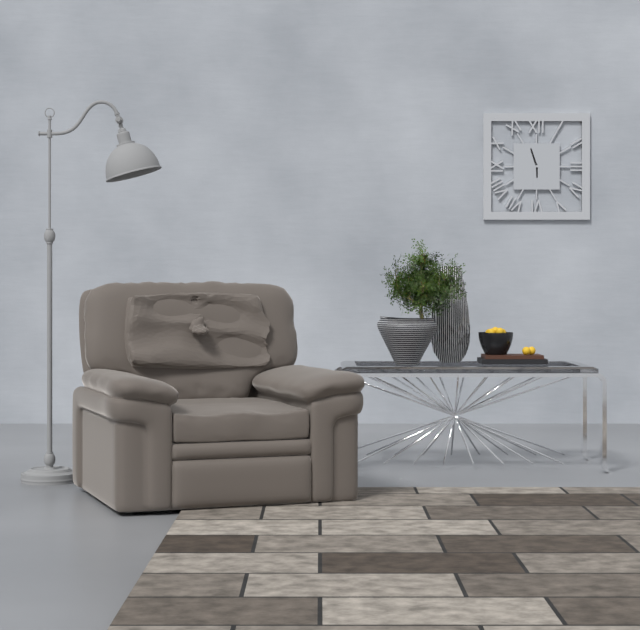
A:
5,57
